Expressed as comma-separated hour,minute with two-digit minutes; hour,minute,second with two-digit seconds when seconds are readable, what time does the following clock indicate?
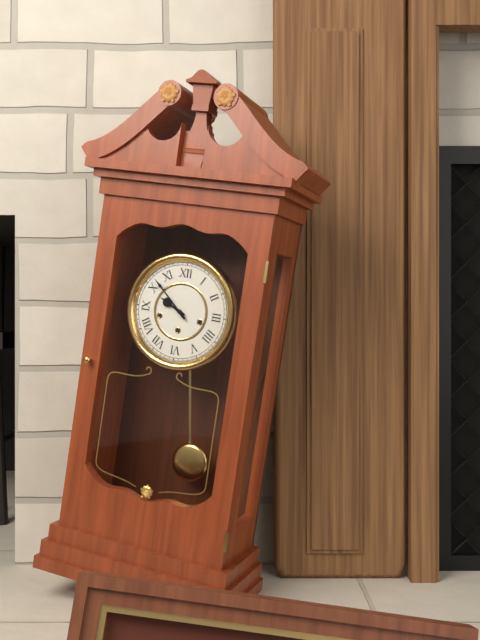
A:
9,52
